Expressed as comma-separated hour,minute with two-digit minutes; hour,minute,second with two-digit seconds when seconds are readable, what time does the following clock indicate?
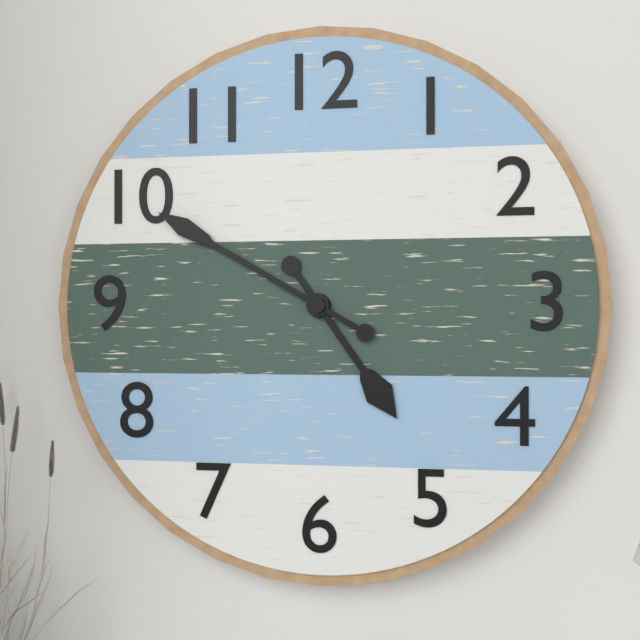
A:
4,50
